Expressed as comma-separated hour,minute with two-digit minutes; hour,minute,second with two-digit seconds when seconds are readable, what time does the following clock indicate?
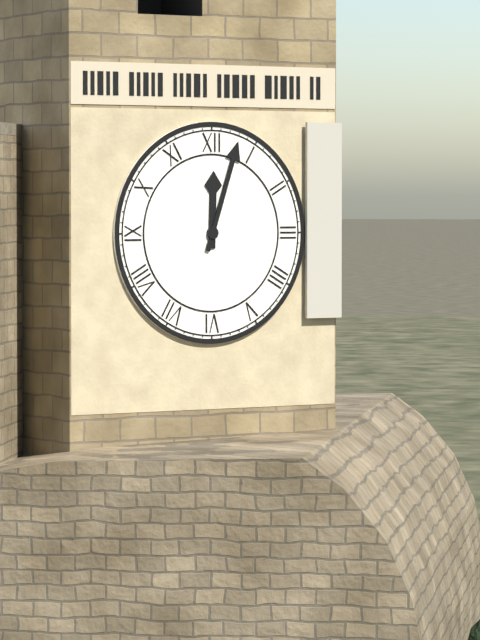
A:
12,03
